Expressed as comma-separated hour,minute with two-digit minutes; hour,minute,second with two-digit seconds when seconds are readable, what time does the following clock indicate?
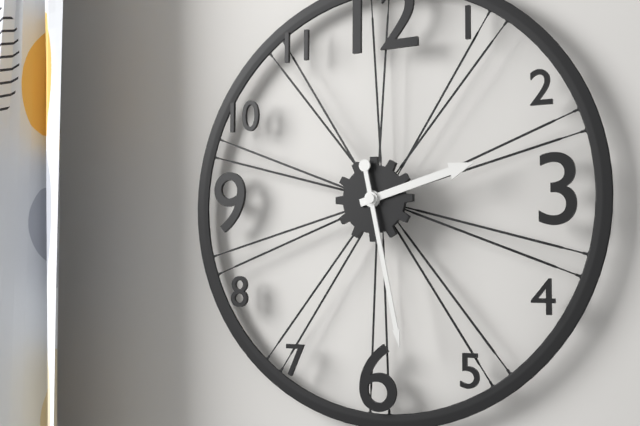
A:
2,28
